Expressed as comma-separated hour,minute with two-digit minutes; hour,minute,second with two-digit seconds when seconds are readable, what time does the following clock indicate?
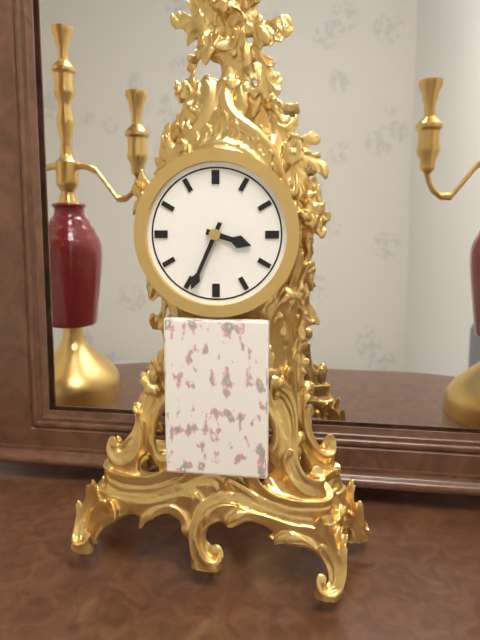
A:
3,34
